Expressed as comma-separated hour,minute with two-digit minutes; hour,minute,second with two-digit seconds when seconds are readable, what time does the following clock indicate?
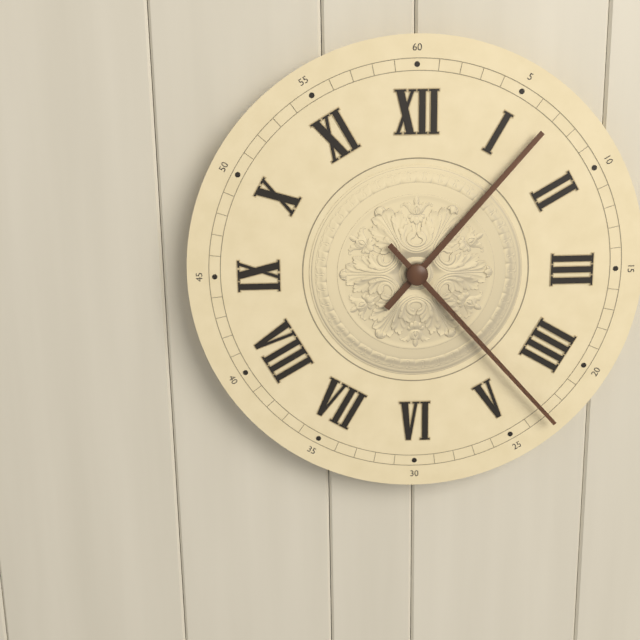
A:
1,23
